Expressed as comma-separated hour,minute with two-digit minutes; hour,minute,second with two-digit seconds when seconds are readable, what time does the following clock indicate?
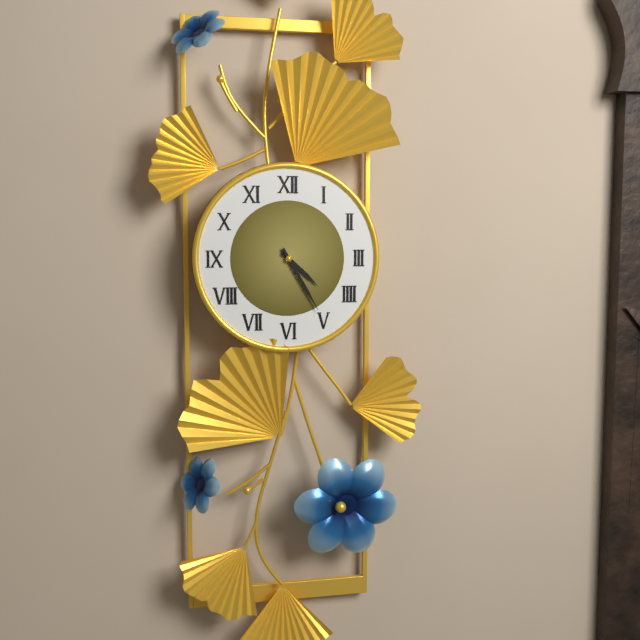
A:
4,25
